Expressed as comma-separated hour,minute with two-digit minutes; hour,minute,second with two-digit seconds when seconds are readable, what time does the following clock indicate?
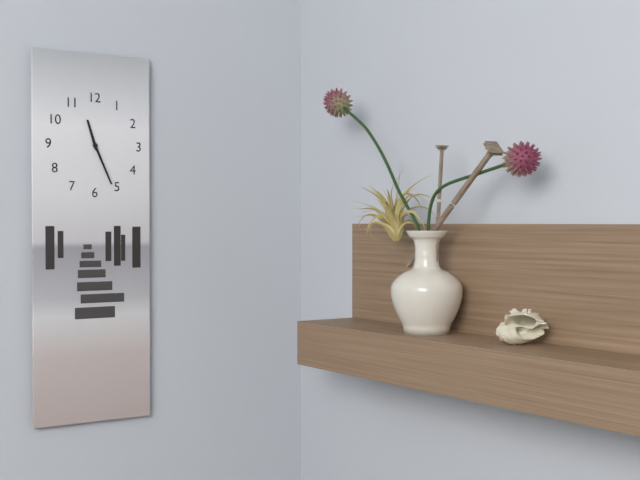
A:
11,26
